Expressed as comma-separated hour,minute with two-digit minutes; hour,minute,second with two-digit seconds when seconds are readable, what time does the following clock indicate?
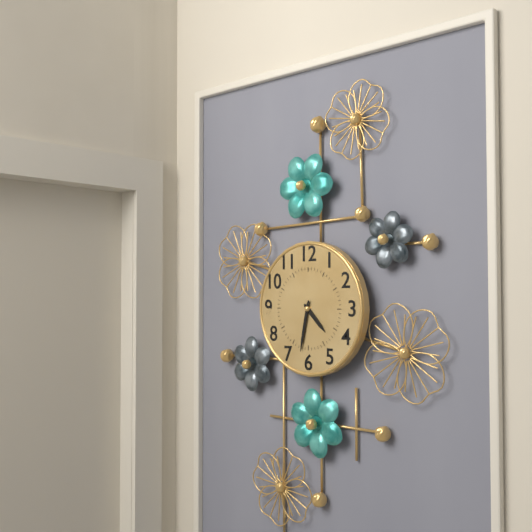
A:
4,32
